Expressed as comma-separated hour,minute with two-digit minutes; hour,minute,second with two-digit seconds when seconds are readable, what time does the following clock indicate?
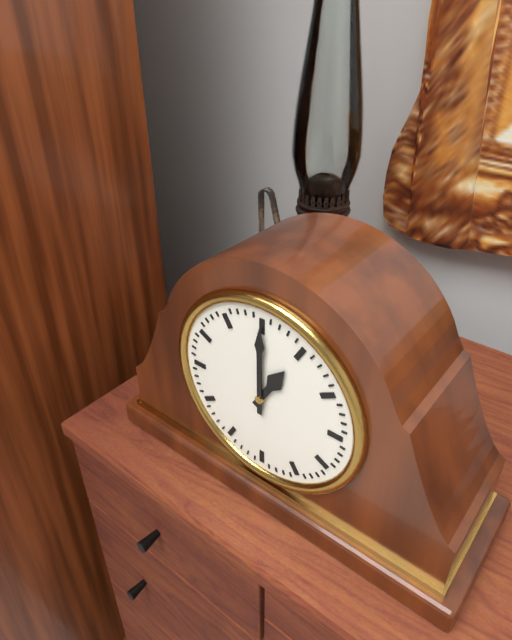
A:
1,00
